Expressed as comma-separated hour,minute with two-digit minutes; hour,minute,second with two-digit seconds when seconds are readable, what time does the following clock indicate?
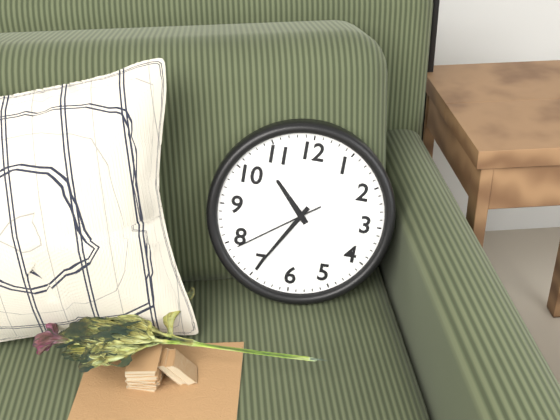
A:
10,35,39
